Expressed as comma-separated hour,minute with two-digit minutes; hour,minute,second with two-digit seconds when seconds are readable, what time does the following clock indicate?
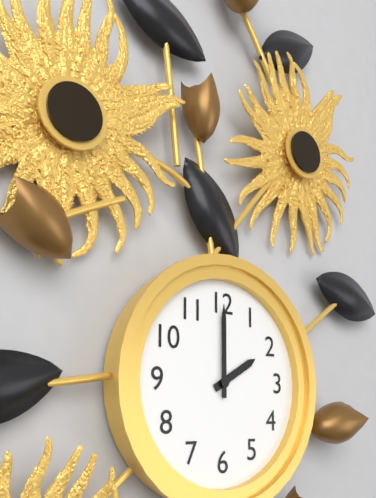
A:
2,00
